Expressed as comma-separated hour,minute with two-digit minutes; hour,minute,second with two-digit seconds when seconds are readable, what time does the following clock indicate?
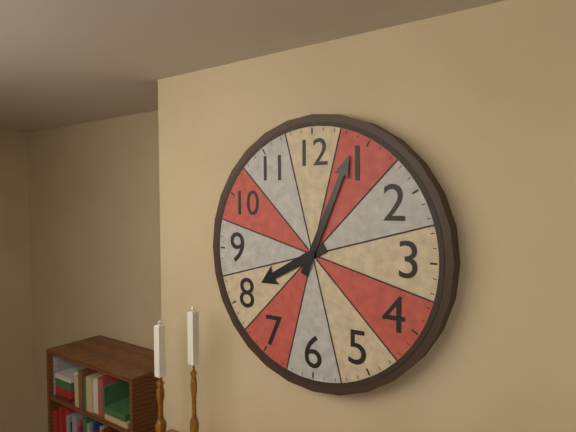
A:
8,04
